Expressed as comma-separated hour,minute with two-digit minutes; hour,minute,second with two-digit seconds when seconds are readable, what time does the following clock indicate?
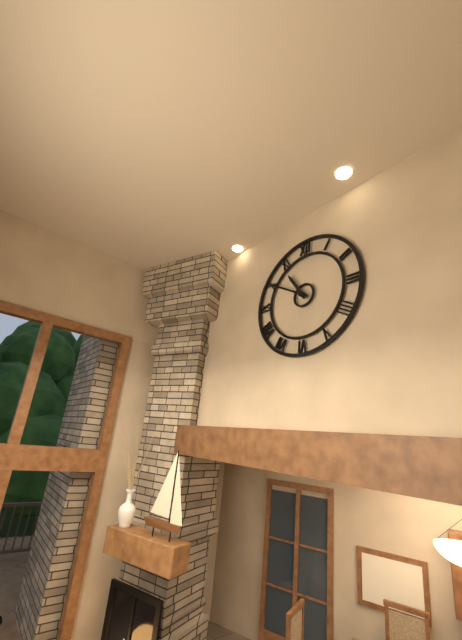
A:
10,50
